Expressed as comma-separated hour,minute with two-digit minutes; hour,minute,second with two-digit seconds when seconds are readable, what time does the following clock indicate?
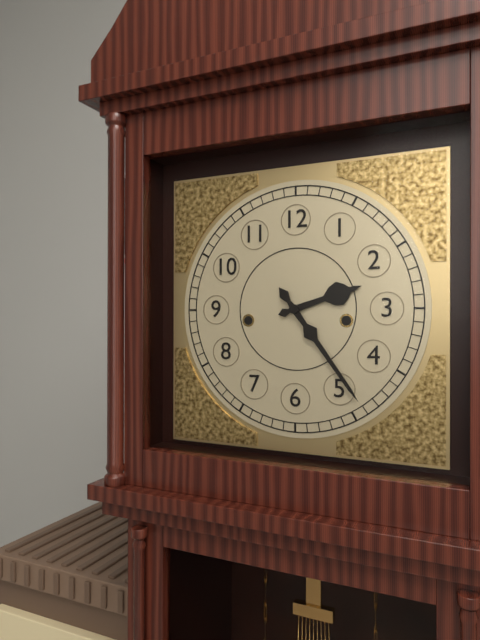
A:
2,24
